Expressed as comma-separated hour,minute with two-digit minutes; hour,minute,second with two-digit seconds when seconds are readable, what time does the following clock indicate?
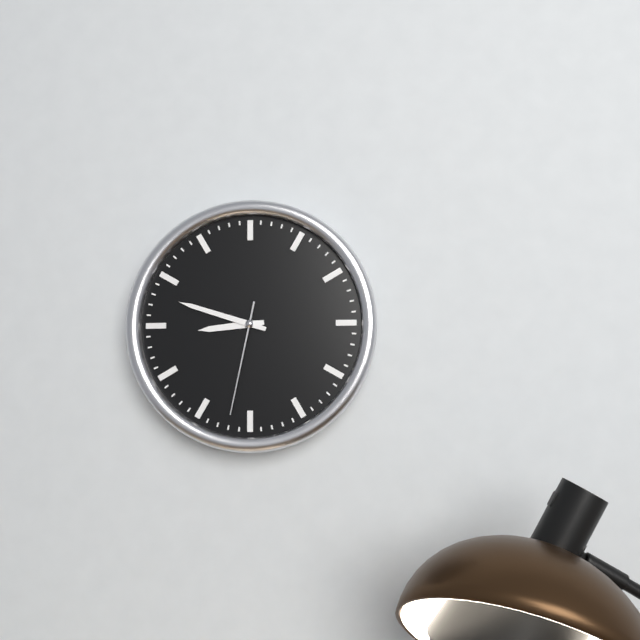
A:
8,48,32
